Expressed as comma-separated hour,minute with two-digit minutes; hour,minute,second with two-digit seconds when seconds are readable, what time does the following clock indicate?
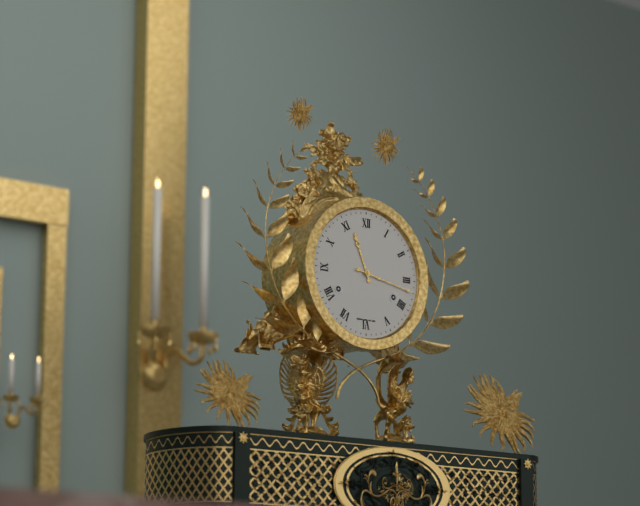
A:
11,17
